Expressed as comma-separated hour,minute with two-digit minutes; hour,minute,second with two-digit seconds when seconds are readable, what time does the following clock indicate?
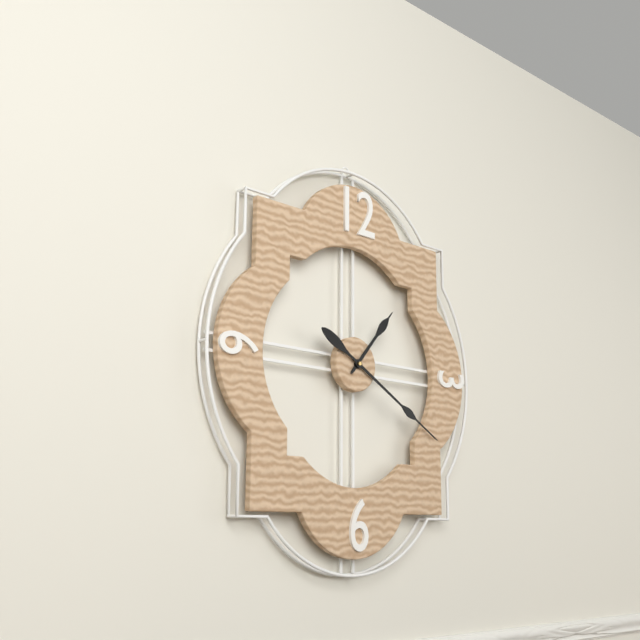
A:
1,20
